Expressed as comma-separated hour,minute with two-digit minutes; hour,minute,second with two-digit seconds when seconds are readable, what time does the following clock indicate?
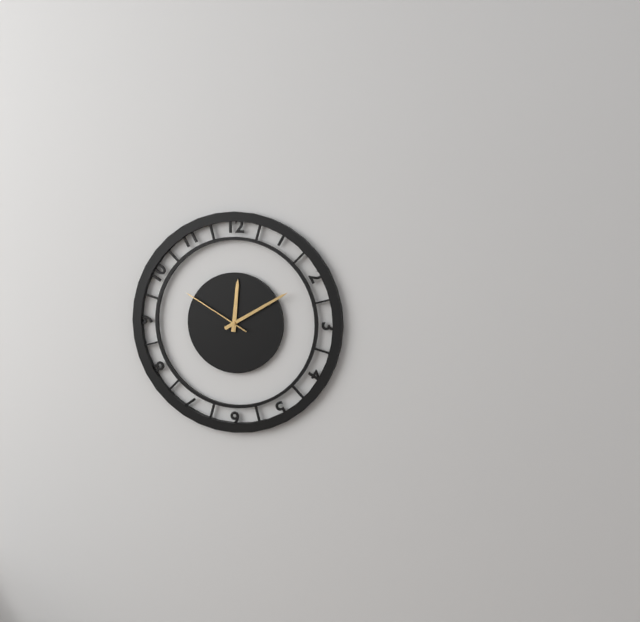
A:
12,10,50
